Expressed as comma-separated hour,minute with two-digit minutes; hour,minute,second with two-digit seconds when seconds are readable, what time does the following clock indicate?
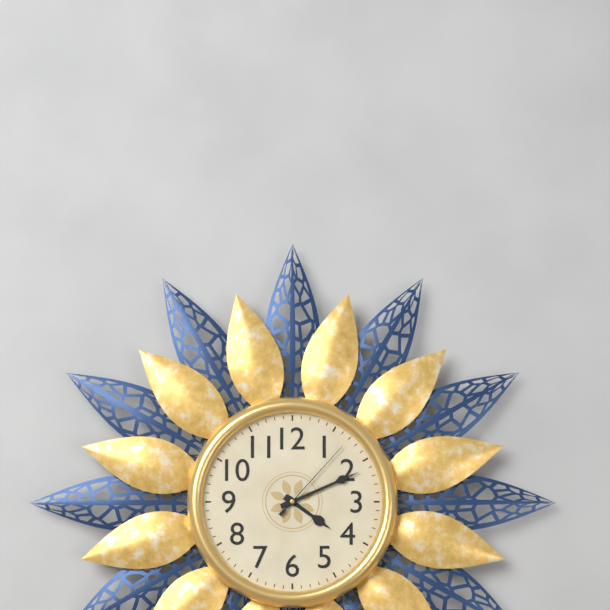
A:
4,11,07
